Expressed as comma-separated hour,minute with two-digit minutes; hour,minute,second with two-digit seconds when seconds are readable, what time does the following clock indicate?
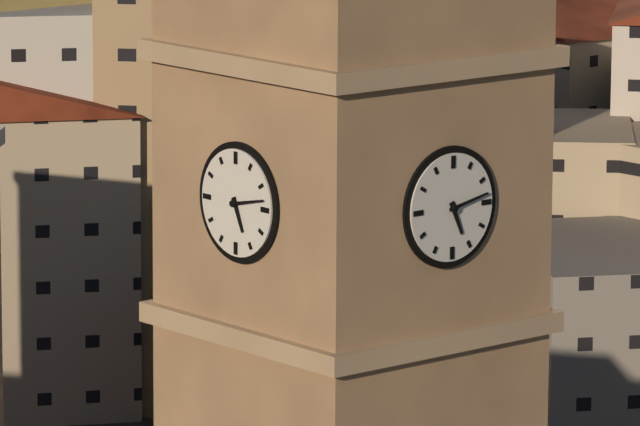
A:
5,13
